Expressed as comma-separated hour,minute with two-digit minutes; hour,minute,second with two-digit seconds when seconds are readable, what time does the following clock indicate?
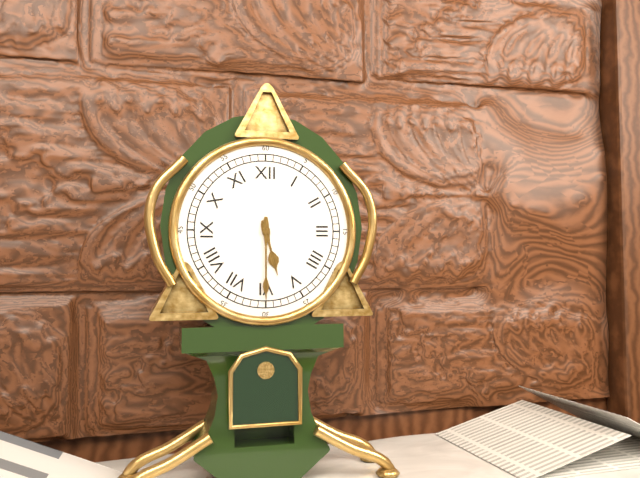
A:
5,30
